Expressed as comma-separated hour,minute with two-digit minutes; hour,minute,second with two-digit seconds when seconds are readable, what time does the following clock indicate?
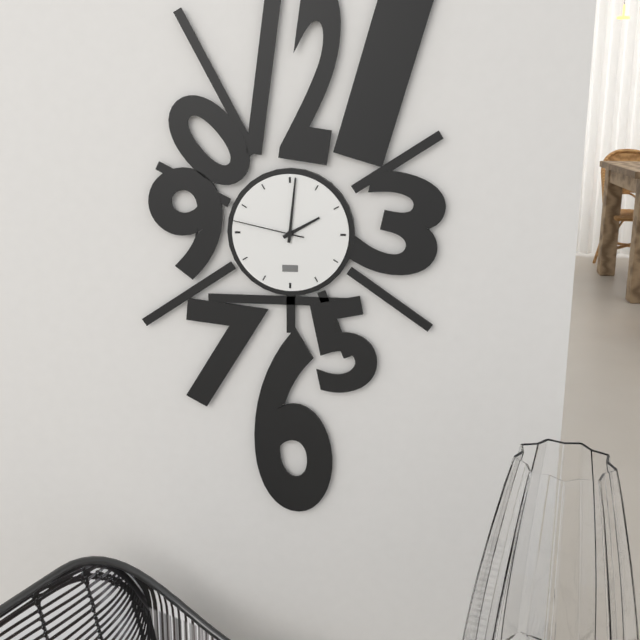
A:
2,01,47
